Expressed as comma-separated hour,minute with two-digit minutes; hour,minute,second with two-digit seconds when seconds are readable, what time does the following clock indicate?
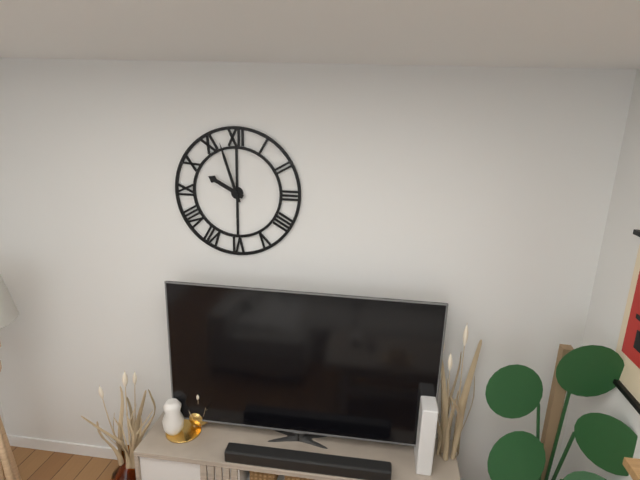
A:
9,57
